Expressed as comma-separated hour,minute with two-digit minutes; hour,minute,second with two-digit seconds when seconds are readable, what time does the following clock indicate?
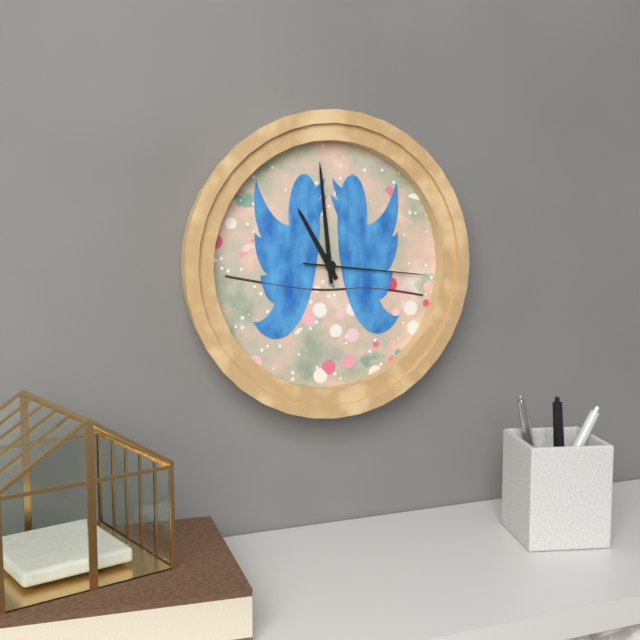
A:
10,59,16
